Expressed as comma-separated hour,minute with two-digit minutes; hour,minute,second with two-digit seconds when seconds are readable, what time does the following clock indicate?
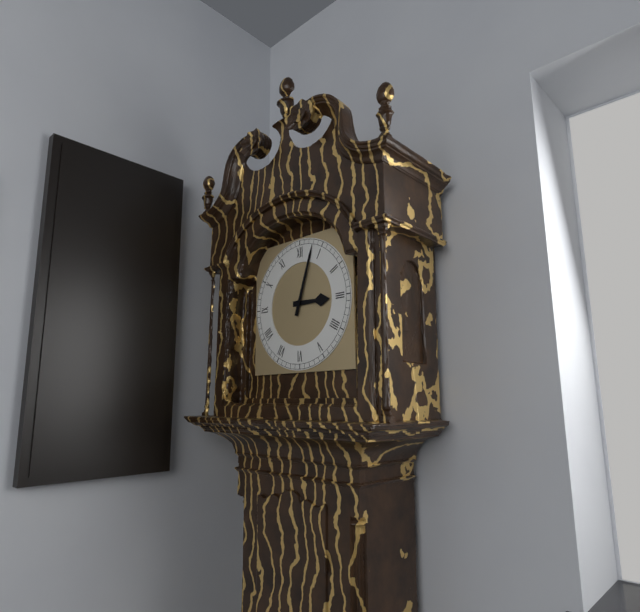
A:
3,03
